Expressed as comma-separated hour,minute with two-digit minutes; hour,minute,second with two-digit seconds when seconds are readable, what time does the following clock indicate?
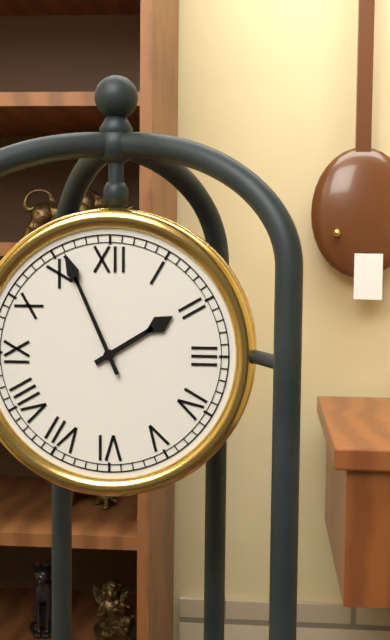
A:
1,56
